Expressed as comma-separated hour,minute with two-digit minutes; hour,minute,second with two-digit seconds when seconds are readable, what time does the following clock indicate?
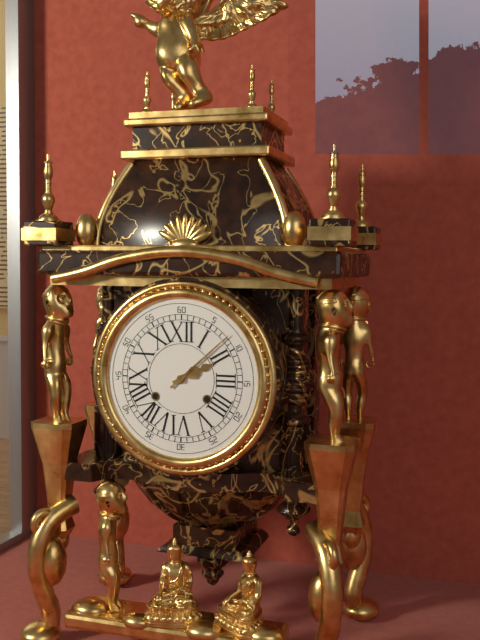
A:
2,08
